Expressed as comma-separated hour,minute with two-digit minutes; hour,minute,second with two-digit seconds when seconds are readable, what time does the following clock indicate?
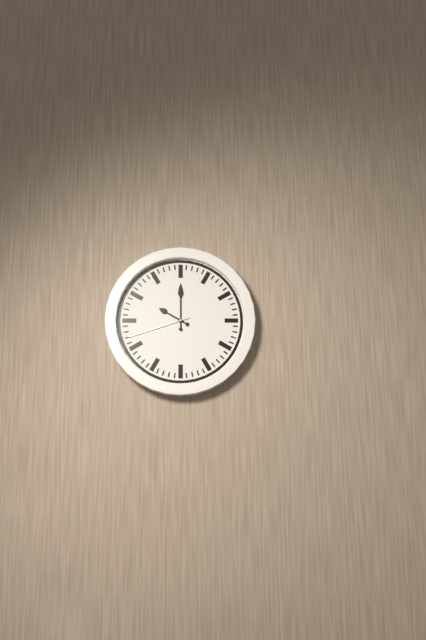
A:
10,00,42
